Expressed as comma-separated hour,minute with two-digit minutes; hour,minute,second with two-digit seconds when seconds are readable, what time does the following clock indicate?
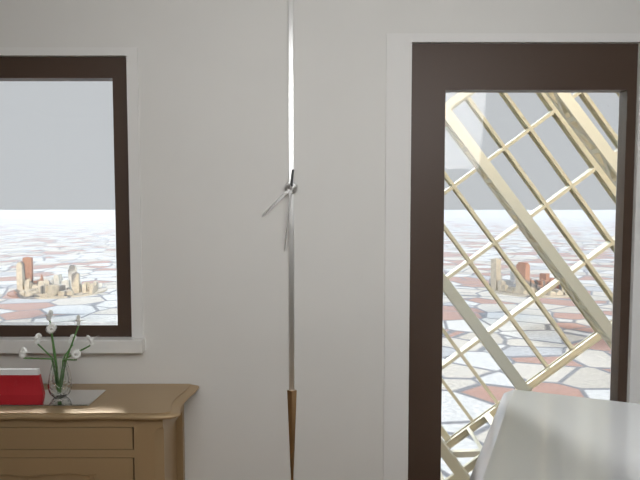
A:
7,31
